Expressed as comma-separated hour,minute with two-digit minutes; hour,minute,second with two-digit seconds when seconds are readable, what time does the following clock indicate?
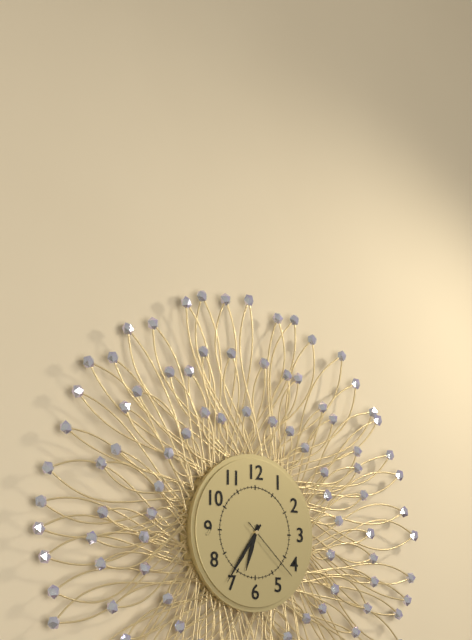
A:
6,36,22
